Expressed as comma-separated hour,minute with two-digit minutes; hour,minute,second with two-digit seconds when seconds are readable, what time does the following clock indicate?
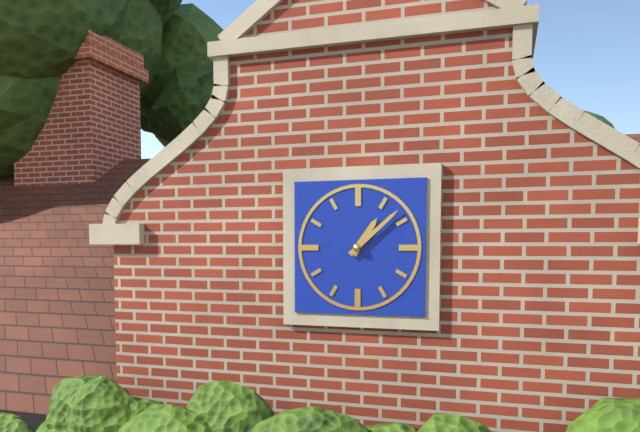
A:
1,08
